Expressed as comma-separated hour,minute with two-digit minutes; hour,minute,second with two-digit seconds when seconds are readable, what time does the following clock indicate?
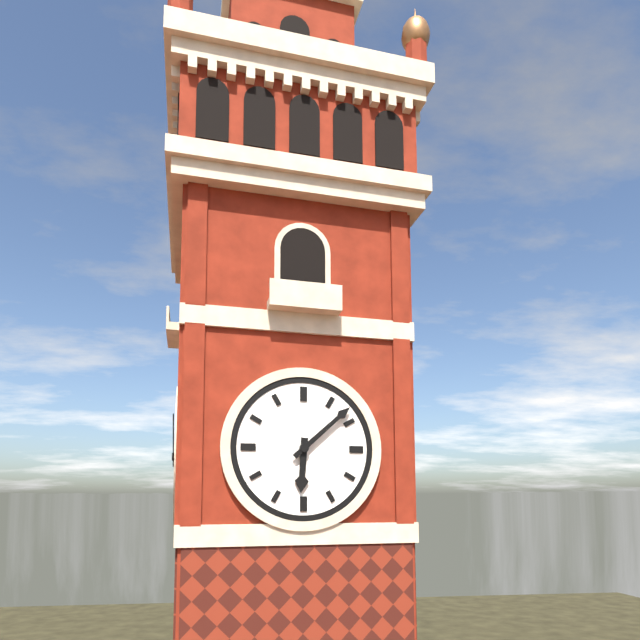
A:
6,08
